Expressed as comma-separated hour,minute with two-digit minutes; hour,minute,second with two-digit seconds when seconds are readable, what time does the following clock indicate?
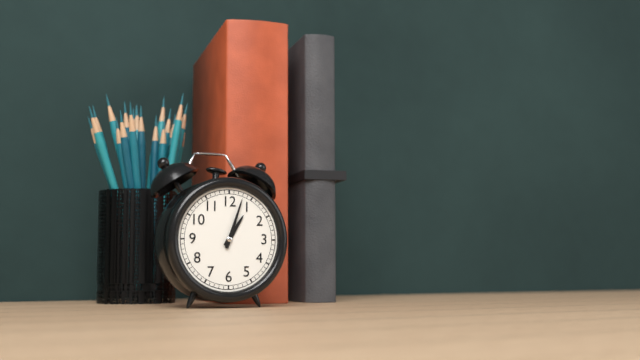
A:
1,03
